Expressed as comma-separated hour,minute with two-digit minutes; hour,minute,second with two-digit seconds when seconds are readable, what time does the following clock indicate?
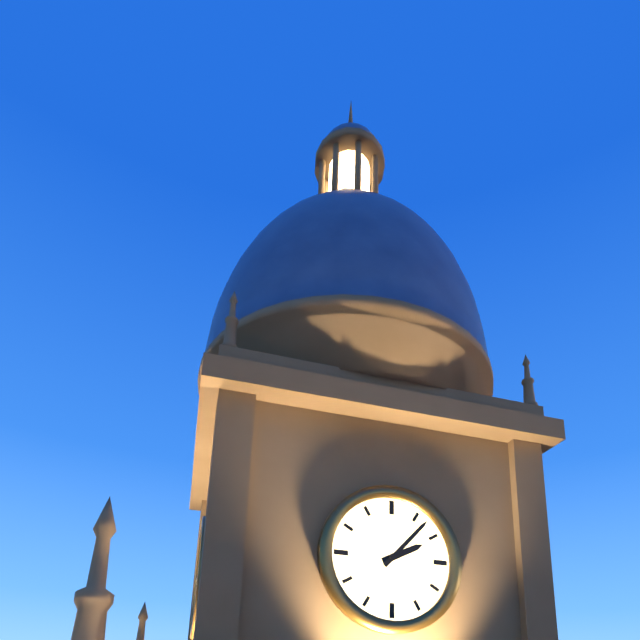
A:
2,07
